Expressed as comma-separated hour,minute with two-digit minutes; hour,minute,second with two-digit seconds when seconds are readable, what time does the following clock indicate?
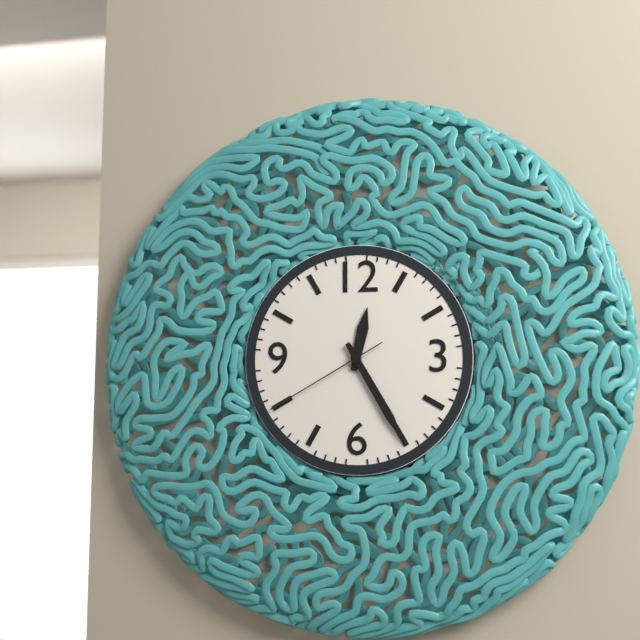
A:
12,25,40
